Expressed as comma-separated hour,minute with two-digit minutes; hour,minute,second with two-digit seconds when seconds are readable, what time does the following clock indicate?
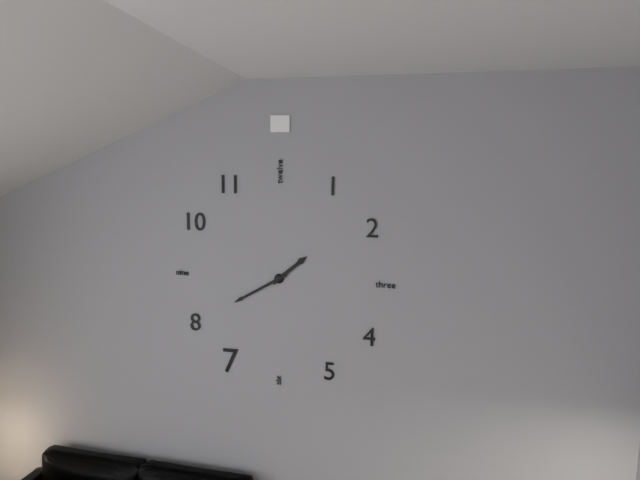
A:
1,40
